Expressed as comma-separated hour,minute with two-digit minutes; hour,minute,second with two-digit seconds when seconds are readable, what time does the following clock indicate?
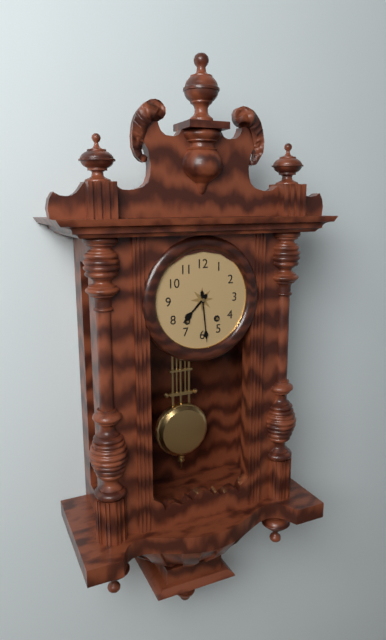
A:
7,29
